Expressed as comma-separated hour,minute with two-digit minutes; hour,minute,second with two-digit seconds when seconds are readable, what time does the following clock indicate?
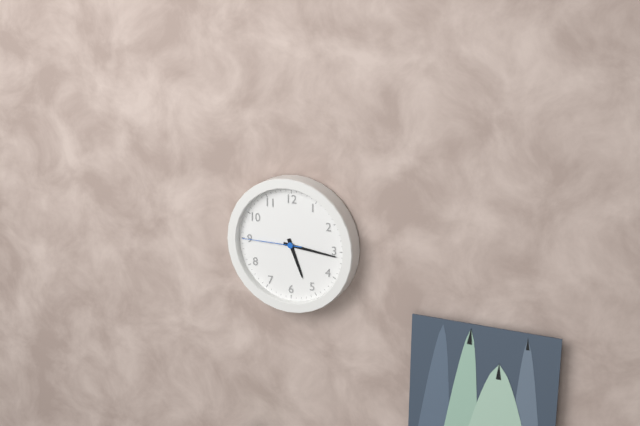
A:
5,16,45
